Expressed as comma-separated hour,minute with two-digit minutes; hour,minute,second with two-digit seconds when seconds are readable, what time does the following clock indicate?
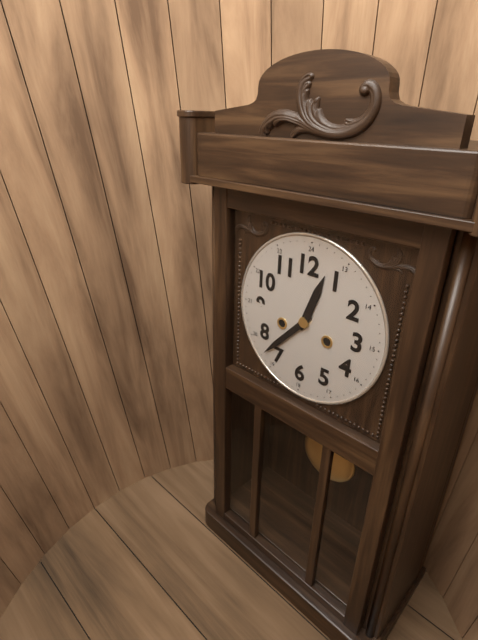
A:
12,37
